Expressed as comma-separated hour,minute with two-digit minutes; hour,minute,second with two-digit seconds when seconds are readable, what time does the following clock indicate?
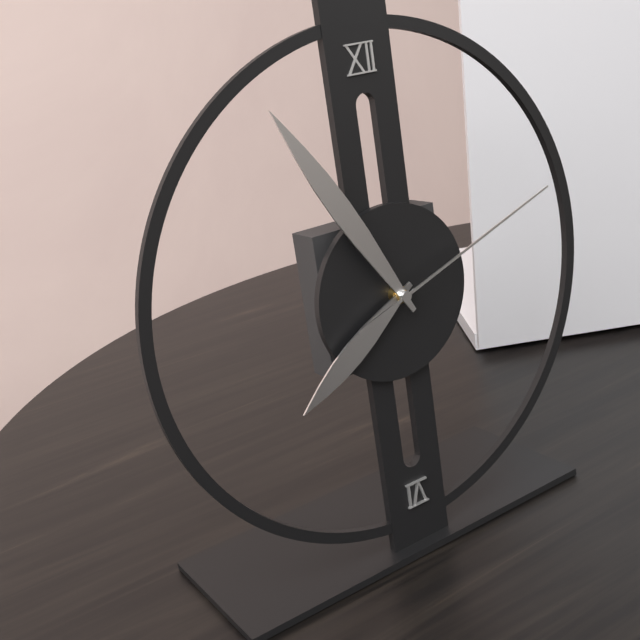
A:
7,55,12
